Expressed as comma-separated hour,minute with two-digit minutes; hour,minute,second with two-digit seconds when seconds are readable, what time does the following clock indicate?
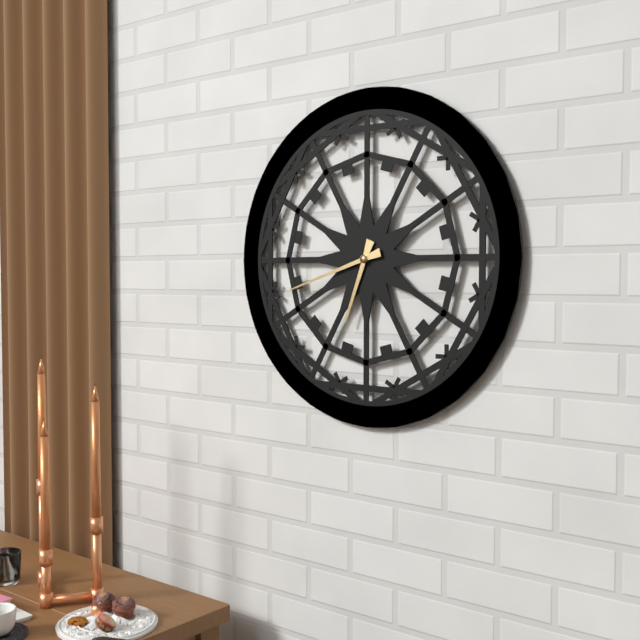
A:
6,42
